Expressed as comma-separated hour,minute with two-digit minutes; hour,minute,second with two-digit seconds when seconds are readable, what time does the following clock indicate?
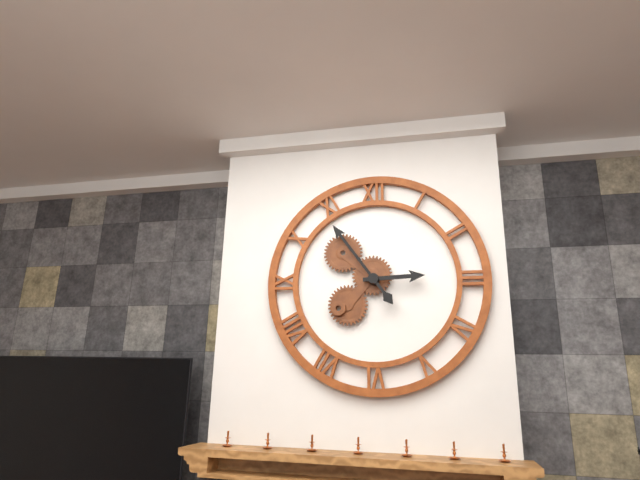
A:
2,54
